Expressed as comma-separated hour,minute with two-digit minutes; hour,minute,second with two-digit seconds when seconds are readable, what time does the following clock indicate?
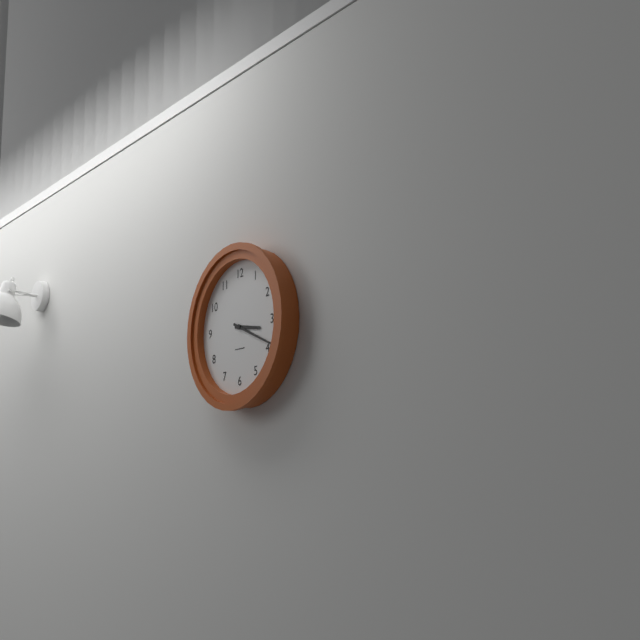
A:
3,19
